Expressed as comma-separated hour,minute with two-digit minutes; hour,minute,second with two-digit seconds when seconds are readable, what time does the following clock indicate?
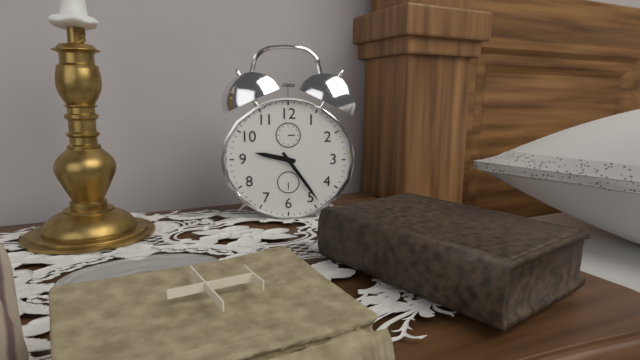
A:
9,24
